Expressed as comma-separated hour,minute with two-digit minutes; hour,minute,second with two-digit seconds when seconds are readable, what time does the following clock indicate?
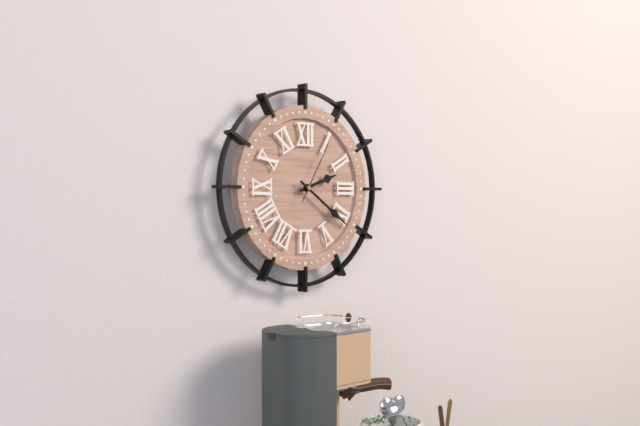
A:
2,21,05
